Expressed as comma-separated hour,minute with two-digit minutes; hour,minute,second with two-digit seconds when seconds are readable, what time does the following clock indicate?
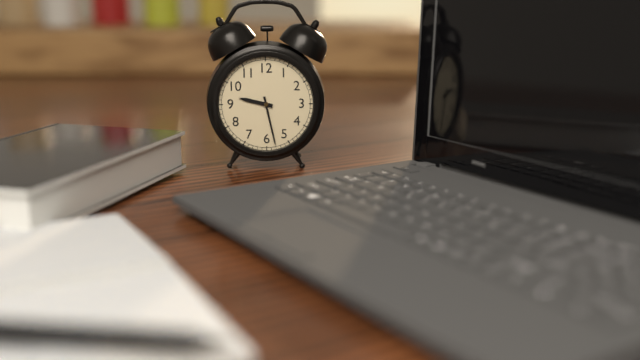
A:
9,28
